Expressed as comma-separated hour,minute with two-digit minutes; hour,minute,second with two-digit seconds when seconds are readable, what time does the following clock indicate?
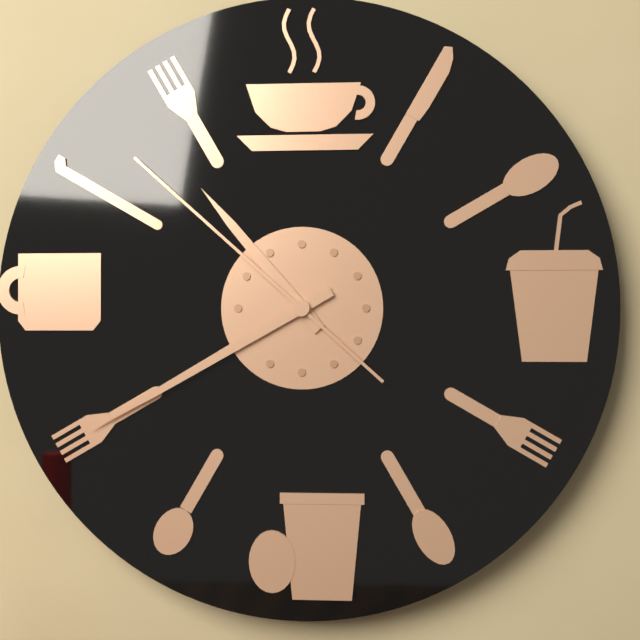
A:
10,40,52
